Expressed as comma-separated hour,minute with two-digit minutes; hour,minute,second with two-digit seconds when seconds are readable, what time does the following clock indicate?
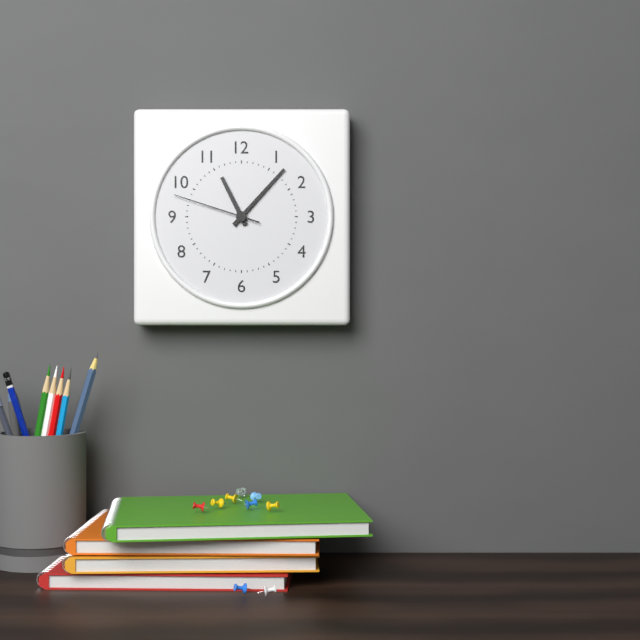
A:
11,07,48
